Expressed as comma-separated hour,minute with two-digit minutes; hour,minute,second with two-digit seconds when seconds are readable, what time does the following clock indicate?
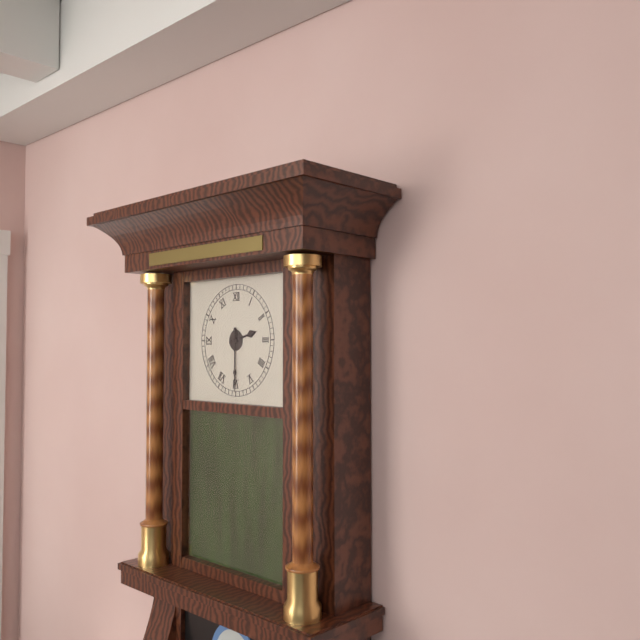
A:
2,30
